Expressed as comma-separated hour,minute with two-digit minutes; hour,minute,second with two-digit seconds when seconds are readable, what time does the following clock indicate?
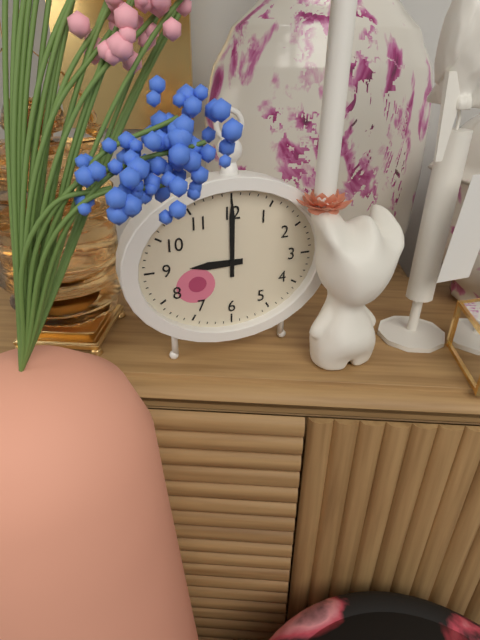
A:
9,00
